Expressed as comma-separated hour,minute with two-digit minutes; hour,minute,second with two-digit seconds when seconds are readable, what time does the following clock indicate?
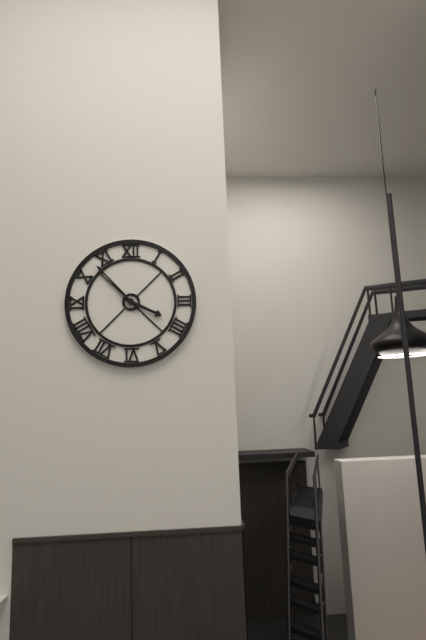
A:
3,53
